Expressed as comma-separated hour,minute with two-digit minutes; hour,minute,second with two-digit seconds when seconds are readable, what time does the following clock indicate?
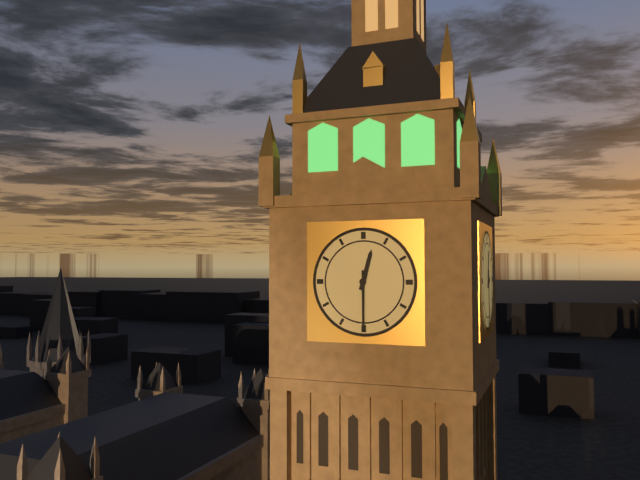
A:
12,30
